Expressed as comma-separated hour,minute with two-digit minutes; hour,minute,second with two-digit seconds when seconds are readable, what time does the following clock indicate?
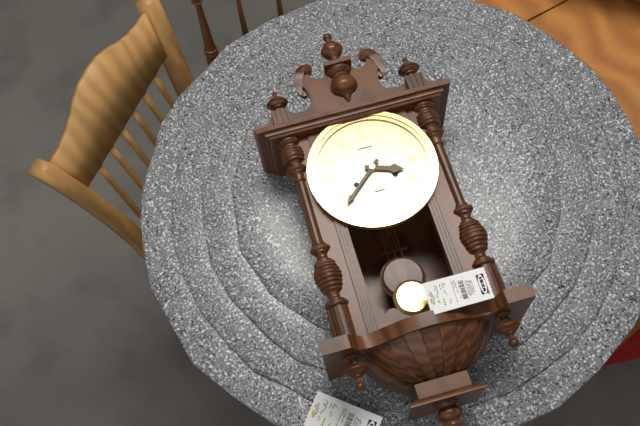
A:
3,38
